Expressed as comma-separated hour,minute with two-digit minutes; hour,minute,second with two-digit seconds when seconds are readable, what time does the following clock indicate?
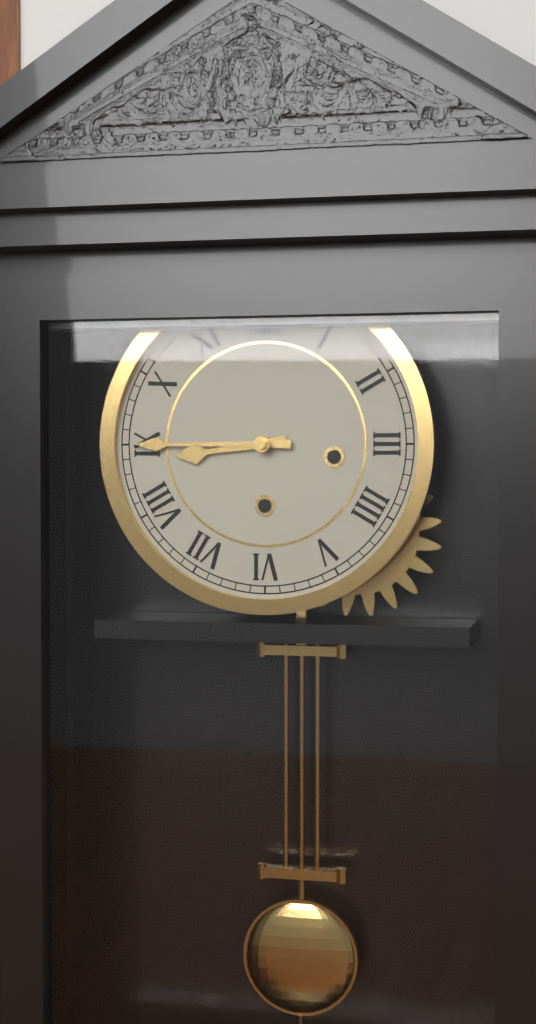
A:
8,45
